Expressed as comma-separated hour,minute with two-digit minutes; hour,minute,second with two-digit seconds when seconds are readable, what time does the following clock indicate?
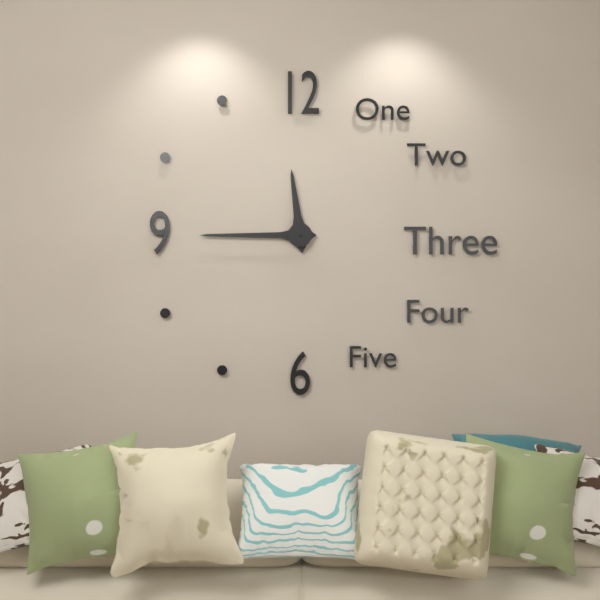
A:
11,45
